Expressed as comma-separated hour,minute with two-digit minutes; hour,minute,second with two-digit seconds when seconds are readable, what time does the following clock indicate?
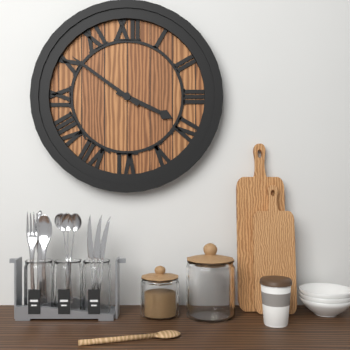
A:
3,51
